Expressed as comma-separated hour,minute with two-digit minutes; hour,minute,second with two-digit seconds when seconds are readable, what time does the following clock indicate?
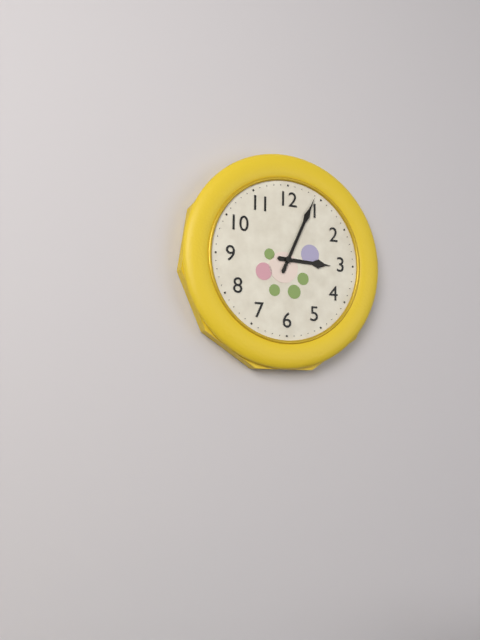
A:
3,04
